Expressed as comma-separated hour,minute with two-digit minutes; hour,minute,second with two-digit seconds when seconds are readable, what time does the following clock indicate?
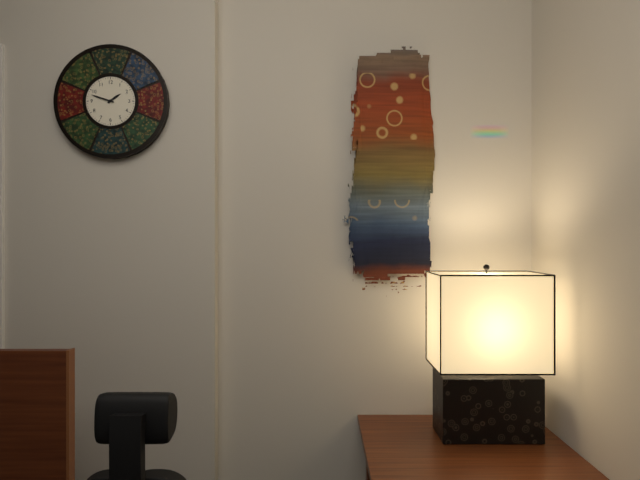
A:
1,48
